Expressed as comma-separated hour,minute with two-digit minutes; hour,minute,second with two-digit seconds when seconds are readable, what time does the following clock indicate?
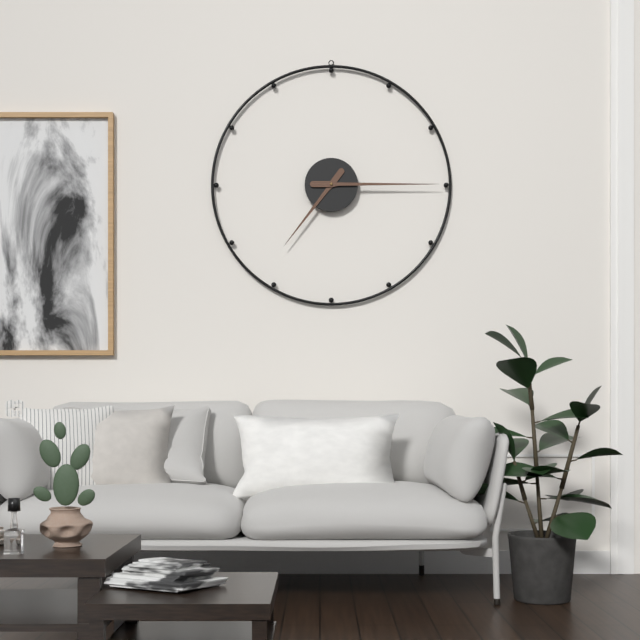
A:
7,15
